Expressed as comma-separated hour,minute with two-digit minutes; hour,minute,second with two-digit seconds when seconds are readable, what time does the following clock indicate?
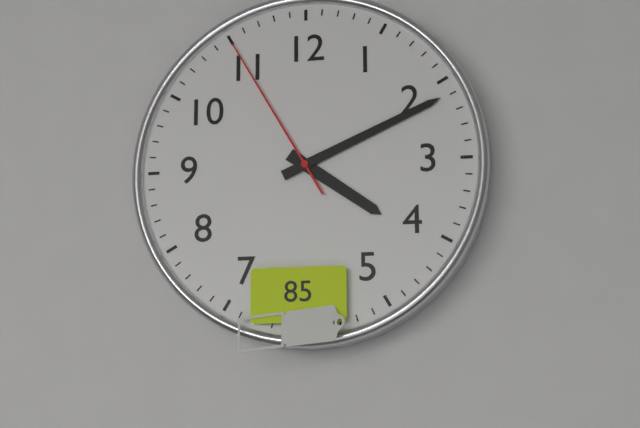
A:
4,11,55
